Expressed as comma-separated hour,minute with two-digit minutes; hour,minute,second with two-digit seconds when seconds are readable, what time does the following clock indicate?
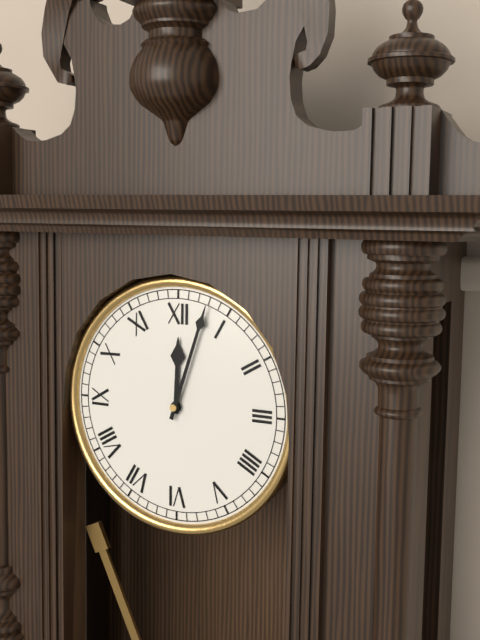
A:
12,03
